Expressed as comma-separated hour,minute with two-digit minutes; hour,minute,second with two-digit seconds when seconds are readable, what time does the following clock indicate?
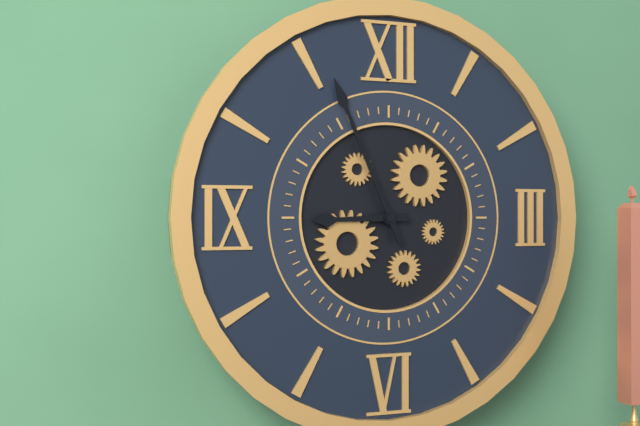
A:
8,56
